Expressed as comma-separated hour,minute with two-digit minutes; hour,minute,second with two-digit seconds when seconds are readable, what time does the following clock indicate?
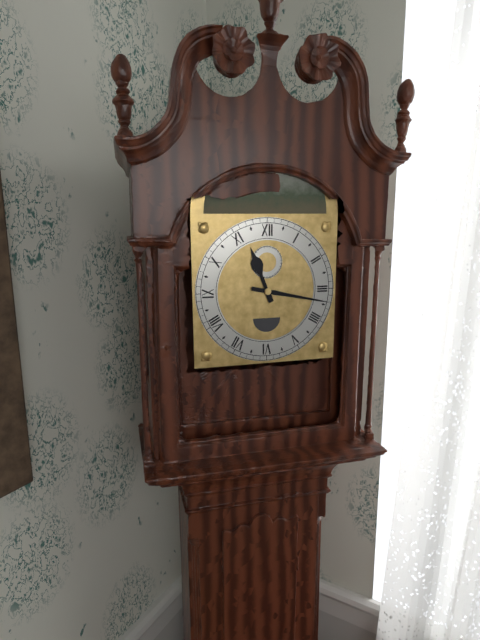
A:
11,17
